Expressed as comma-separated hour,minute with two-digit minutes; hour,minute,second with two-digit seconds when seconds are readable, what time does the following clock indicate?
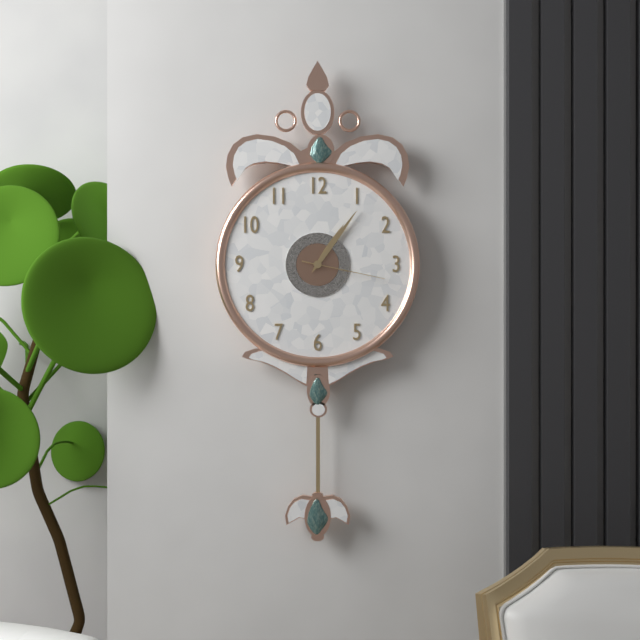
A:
1,06,17
